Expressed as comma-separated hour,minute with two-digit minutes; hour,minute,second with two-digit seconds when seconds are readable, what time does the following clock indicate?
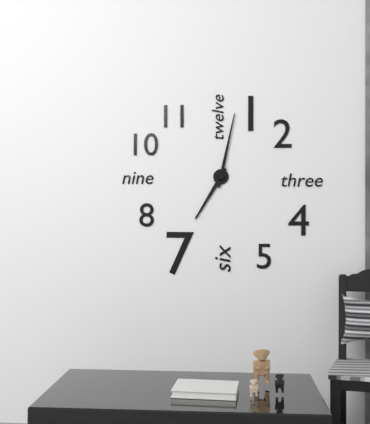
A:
7,02
